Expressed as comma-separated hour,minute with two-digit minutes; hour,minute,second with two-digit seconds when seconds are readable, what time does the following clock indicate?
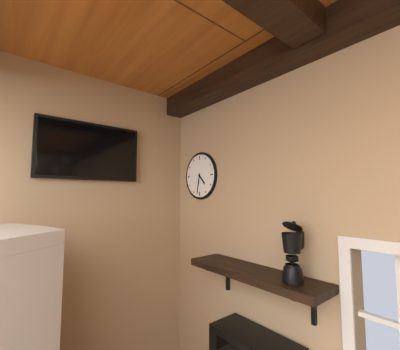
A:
4,32
